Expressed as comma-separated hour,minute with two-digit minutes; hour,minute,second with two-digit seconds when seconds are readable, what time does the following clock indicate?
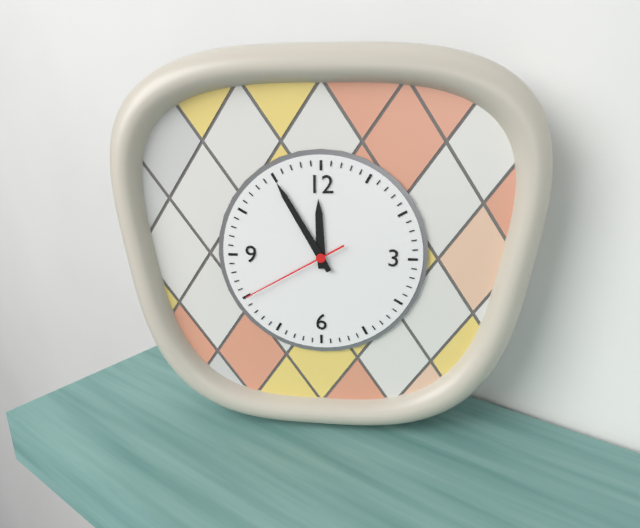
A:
11,55,40
